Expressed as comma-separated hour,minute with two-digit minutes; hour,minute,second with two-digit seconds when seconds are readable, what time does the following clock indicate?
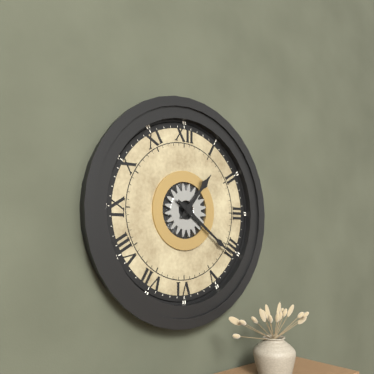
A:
1,21
